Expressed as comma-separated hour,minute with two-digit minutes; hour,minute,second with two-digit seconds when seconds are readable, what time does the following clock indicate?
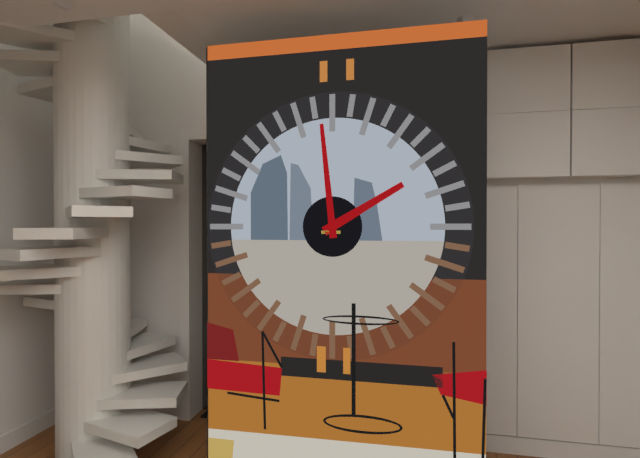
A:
1,59
